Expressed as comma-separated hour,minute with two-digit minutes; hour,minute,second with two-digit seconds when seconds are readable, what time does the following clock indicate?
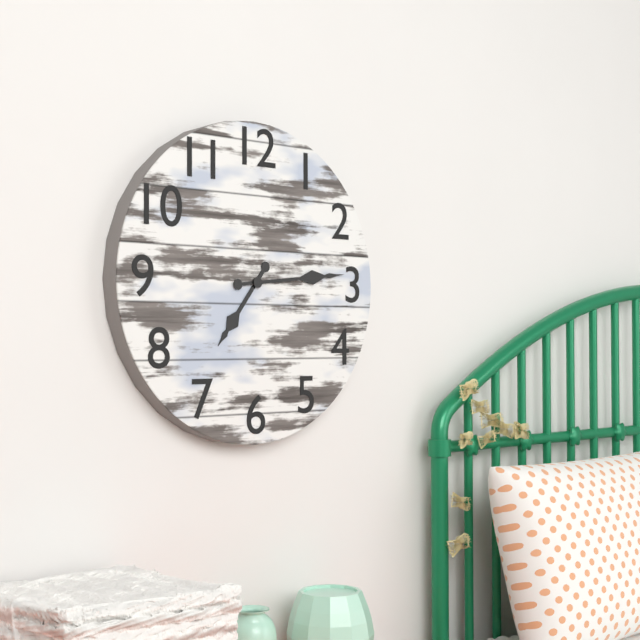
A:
7,14
